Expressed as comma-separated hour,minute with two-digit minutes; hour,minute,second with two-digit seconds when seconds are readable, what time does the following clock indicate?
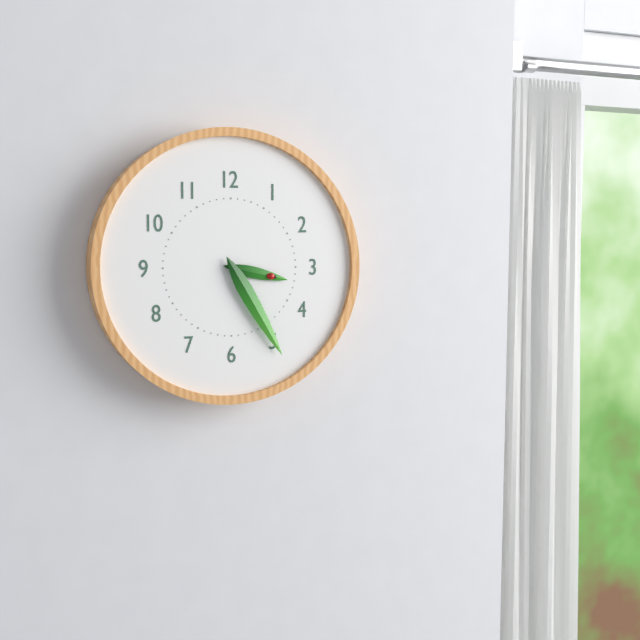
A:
3,25
